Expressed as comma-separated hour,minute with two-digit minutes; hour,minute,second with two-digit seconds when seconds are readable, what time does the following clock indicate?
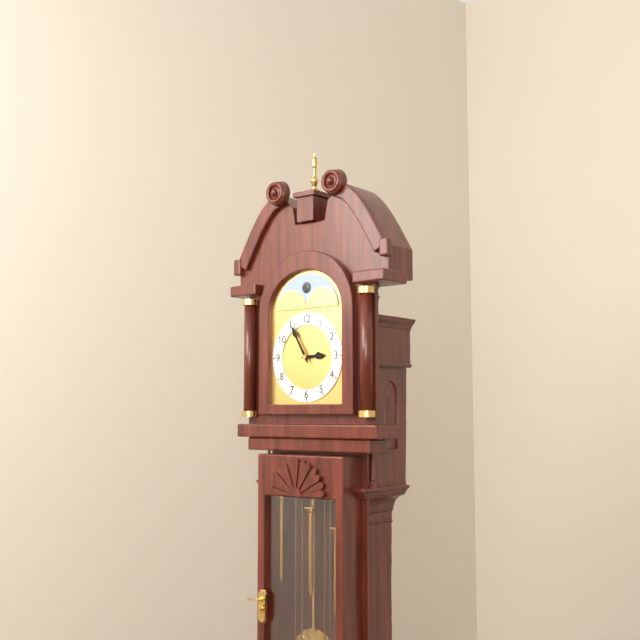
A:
2,55
